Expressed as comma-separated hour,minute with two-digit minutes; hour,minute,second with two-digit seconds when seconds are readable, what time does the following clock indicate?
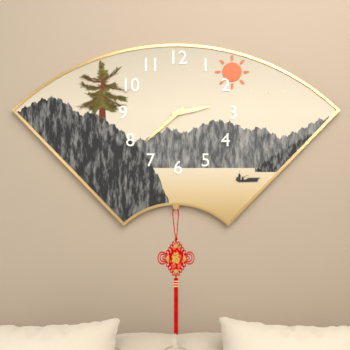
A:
2,38
